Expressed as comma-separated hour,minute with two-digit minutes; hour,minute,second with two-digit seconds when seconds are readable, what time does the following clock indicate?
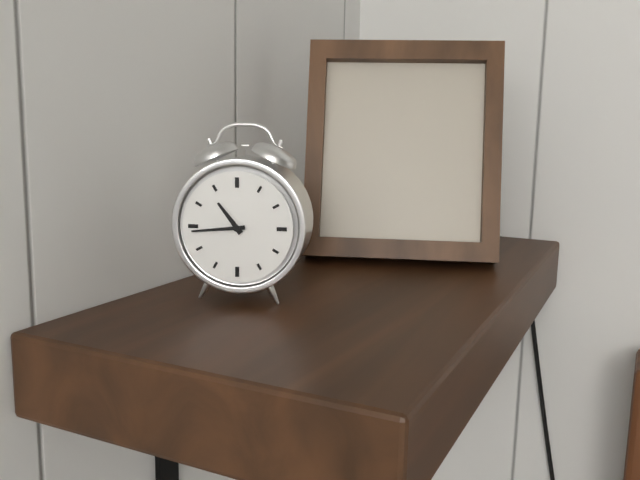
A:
10,44
